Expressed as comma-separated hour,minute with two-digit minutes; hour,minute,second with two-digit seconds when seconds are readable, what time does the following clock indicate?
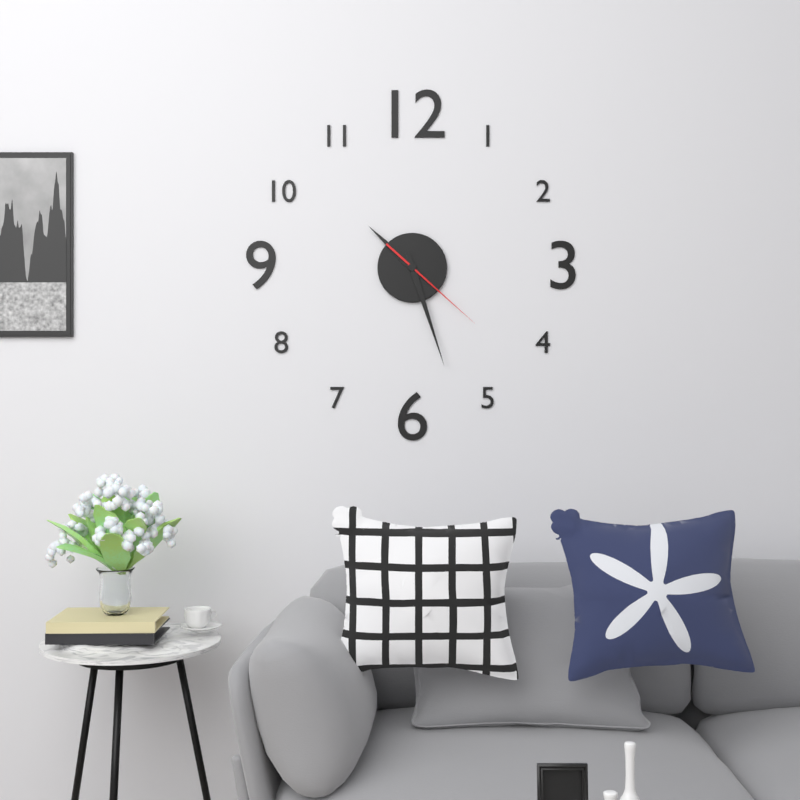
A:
10,27,22
